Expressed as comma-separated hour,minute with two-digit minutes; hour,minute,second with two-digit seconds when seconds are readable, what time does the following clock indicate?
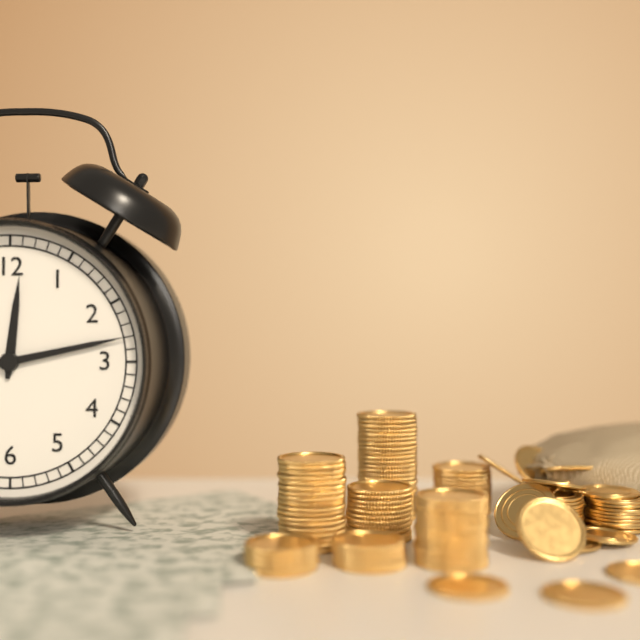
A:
12,13
